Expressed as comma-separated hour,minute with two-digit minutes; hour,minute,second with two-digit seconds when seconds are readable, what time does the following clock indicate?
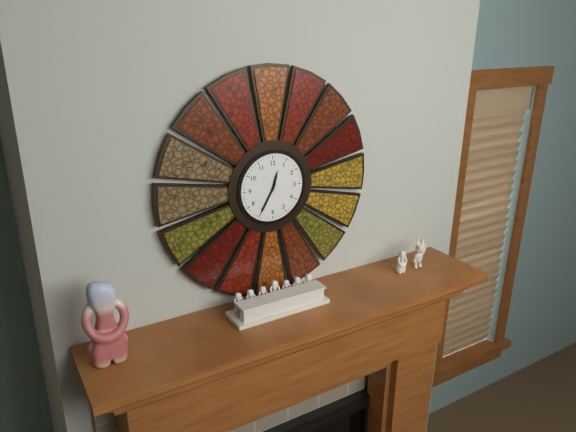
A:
12,35
